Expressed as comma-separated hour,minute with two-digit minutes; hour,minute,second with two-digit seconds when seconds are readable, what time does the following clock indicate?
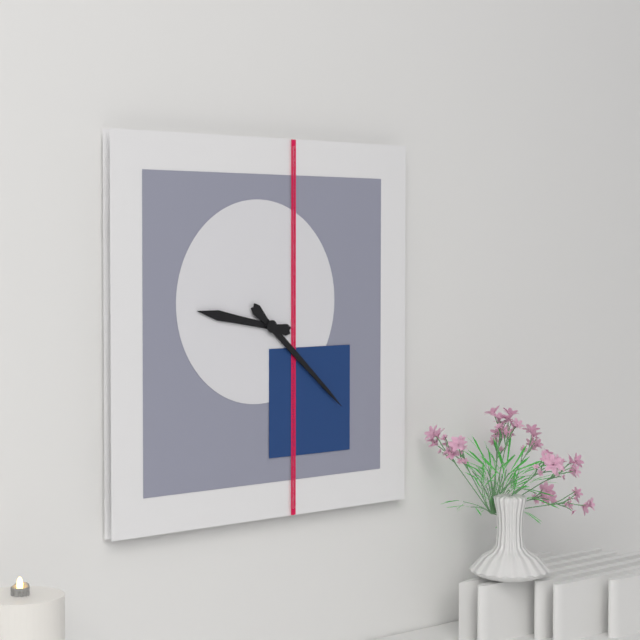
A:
9,22
